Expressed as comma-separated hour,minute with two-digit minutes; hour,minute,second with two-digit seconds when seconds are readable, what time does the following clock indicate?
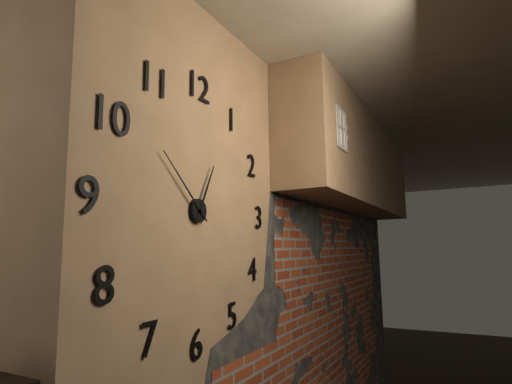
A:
12,52
